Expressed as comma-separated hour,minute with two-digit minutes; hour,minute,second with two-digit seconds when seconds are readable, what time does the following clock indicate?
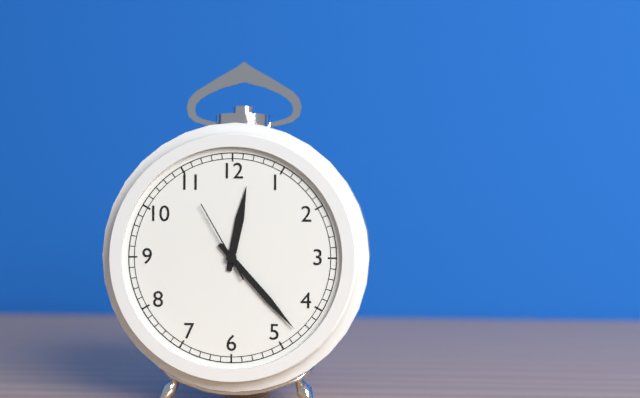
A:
12,23,55
